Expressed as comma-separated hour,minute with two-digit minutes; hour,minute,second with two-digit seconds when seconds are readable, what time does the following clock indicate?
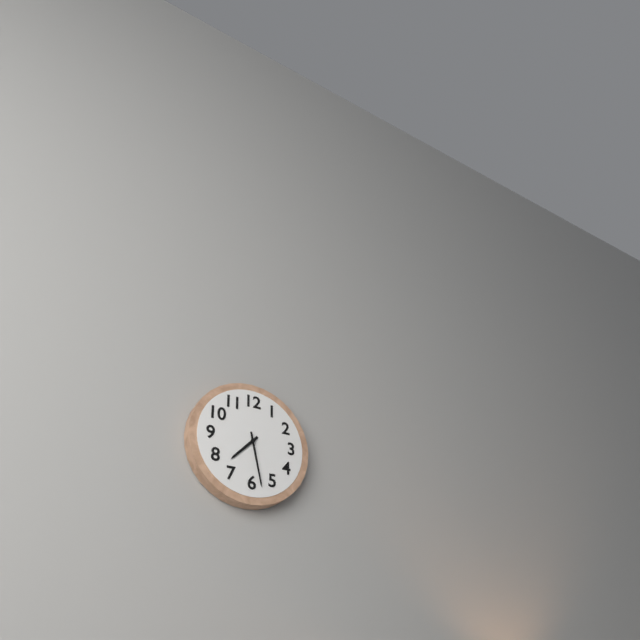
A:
7,28
